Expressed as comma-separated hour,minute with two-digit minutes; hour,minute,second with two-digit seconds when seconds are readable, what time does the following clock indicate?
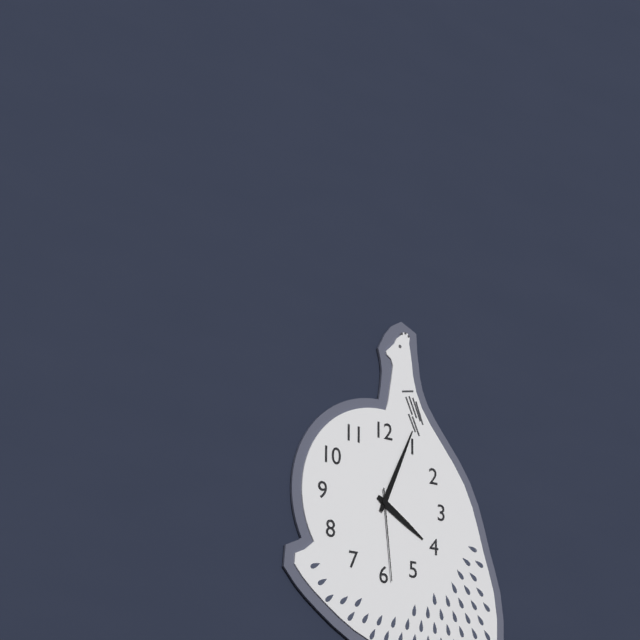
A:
4,04,29
